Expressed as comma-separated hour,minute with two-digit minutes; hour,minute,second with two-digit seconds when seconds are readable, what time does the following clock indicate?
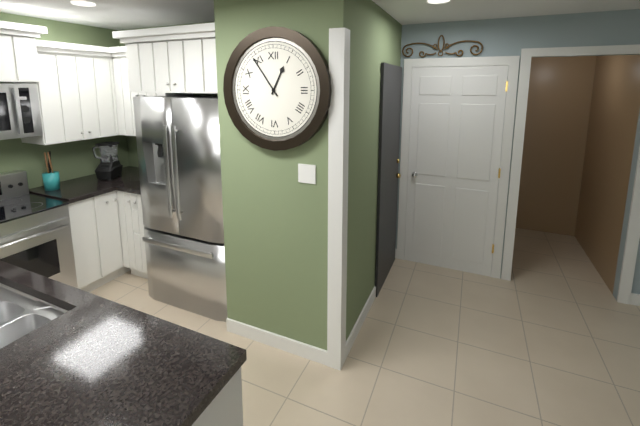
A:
12,54
